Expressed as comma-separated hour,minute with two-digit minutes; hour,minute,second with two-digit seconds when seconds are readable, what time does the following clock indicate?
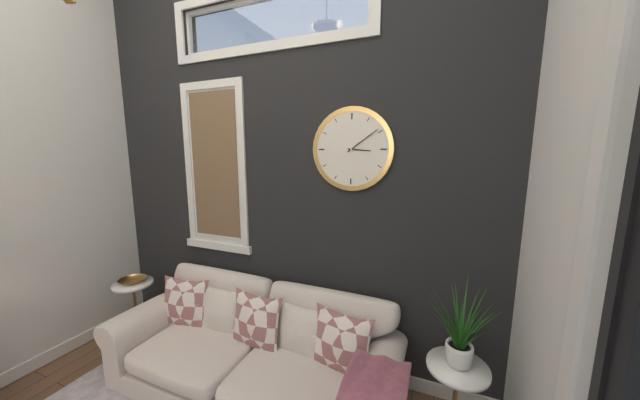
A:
3,09
